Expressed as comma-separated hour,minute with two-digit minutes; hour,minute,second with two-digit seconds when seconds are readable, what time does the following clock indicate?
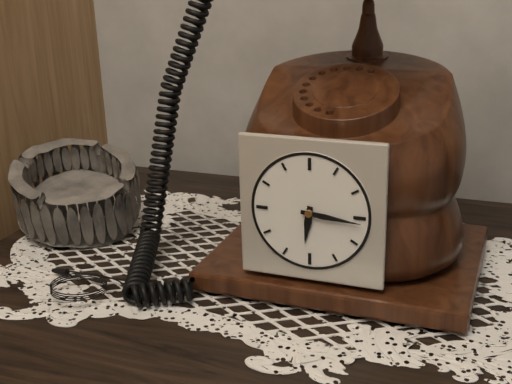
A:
6,16
